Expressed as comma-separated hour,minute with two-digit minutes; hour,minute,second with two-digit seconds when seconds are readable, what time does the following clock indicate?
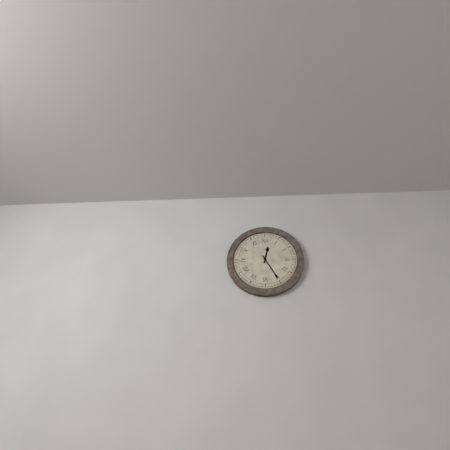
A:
12,25
